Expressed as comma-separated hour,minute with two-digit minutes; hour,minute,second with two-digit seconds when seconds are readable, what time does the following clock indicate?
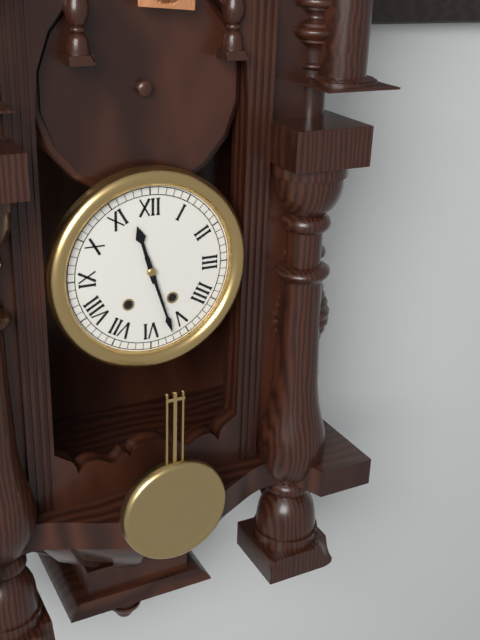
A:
11,27
